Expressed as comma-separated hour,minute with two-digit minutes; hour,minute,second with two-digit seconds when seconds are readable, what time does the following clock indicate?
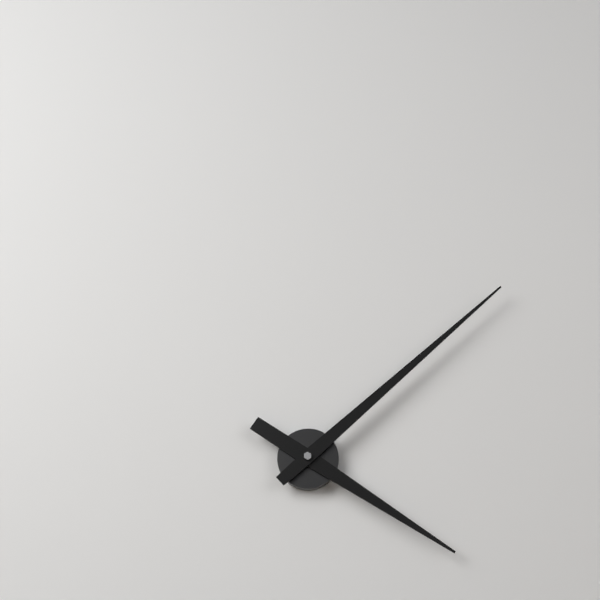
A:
4,08
